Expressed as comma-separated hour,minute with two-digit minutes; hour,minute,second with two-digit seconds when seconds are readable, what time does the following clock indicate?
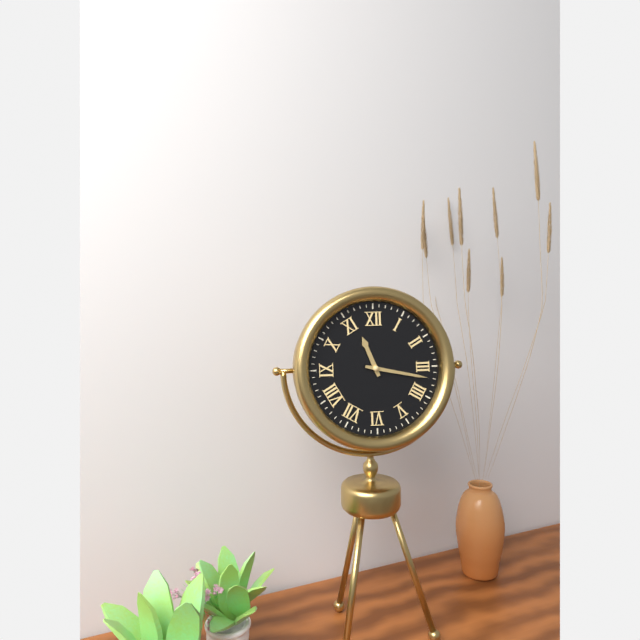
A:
11,17
